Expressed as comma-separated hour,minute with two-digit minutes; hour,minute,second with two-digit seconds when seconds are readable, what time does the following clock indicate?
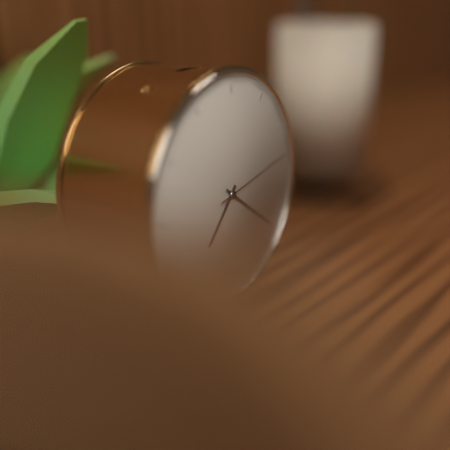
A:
7,21,13
